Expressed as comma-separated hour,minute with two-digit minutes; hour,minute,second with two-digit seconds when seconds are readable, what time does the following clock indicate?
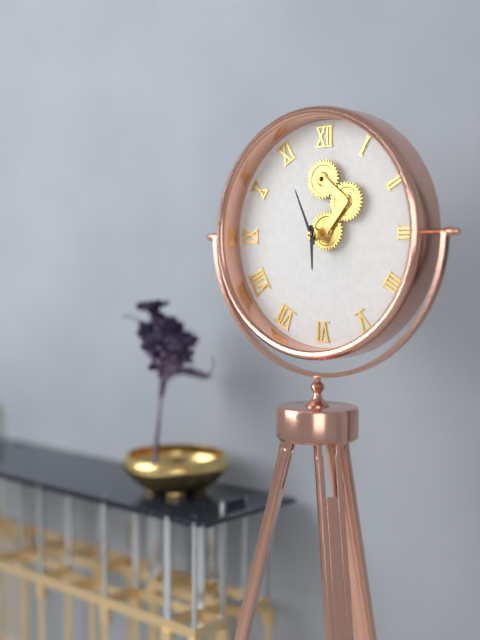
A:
5,56
